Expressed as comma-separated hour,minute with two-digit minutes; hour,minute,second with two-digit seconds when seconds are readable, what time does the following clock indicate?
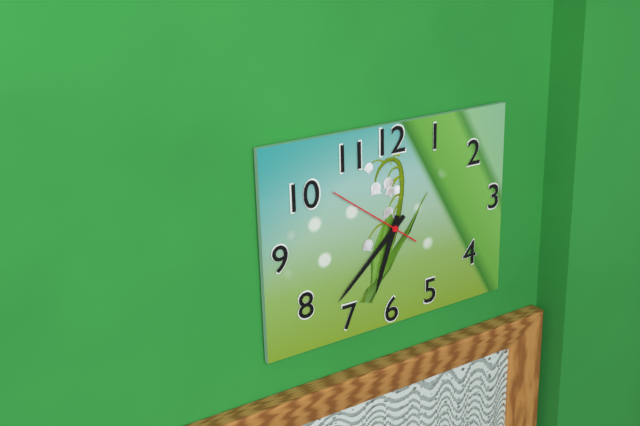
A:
6,38,51
